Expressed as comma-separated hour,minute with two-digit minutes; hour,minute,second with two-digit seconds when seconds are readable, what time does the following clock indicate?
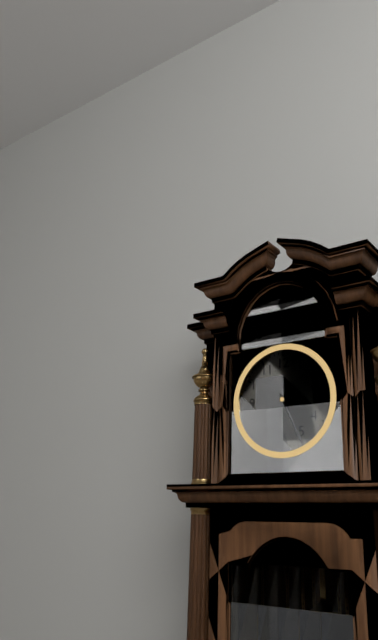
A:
3,26
